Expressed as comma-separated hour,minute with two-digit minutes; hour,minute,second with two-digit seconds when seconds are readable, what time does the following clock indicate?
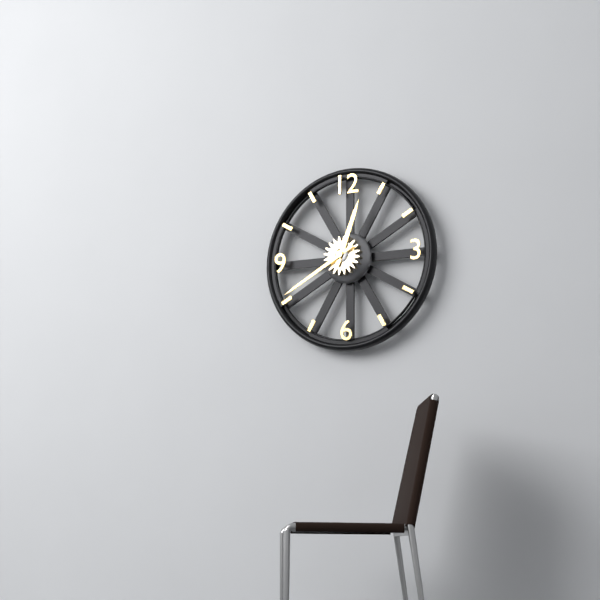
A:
12,40
